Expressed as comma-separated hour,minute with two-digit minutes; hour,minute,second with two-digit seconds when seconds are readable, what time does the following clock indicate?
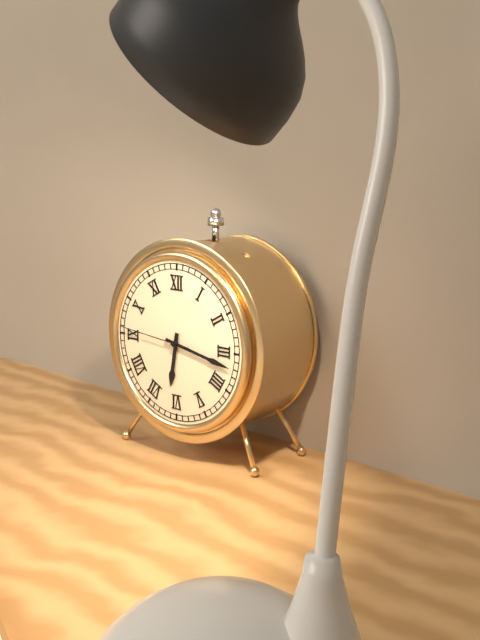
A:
6,17,46
